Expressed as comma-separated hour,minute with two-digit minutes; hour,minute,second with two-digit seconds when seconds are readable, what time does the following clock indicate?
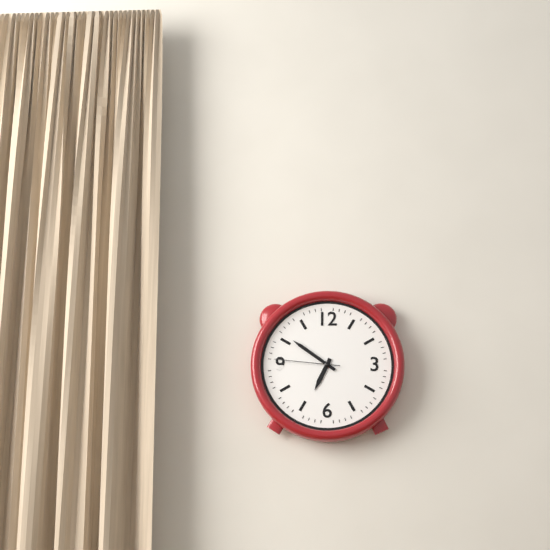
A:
6,51,46
